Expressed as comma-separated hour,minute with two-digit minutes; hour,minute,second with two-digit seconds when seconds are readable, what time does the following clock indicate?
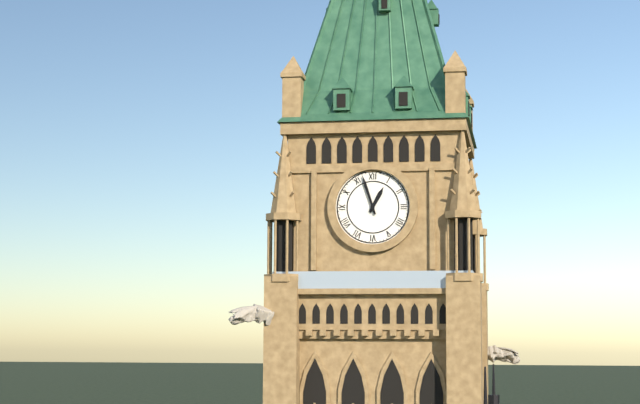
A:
12,57
